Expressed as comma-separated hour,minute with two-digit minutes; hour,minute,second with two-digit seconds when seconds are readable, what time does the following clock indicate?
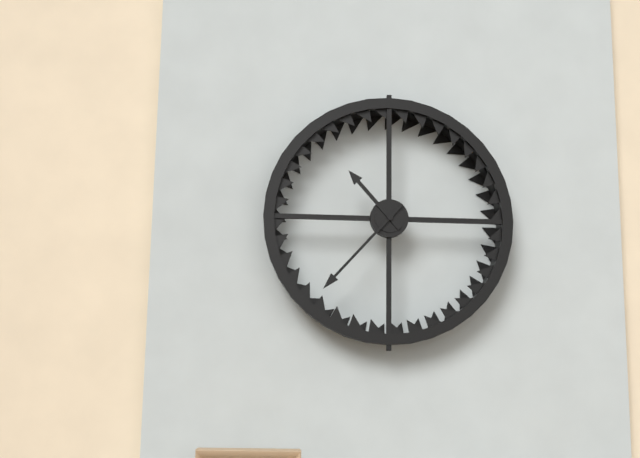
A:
10,37
